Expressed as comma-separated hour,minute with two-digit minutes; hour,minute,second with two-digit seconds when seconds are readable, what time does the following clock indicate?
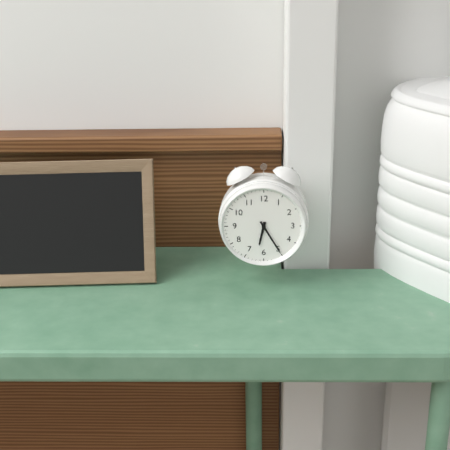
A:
6,25
